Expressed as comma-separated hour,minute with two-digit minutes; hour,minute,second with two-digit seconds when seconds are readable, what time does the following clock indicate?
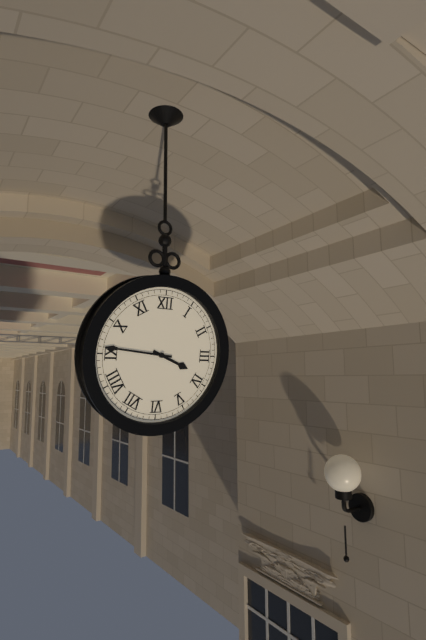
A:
3,46
